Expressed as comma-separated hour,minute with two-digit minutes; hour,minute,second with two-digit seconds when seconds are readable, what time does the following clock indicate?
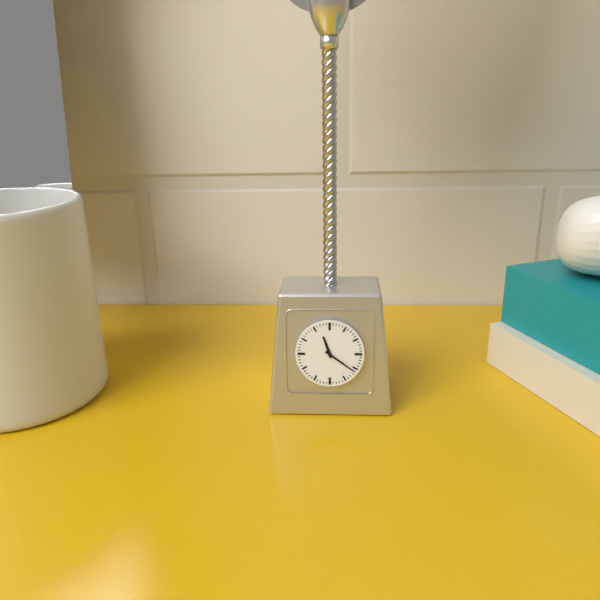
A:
11,21
